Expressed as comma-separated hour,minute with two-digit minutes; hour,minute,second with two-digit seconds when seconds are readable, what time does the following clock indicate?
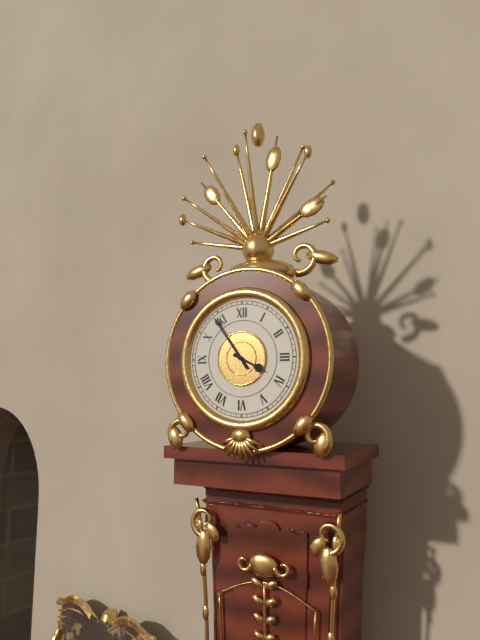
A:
3,54
